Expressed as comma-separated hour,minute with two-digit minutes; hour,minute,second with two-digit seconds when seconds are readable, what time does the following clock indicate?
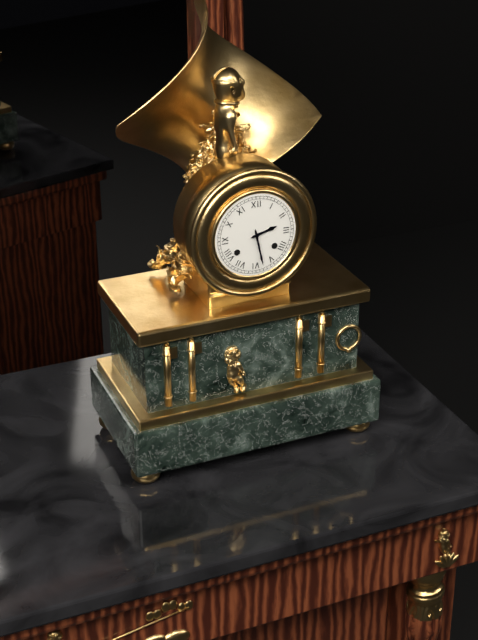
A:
2,28
